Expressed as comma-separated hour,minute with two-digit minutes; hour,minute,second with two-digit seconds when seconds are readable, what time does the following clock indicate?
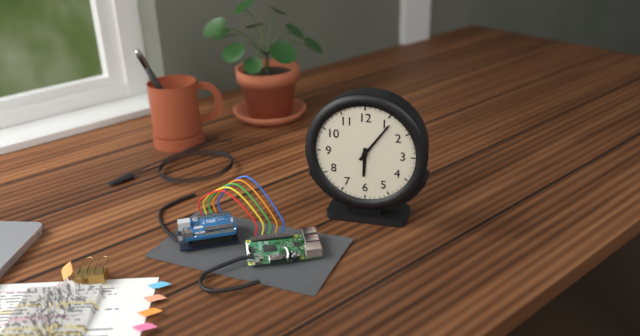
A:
6,06
